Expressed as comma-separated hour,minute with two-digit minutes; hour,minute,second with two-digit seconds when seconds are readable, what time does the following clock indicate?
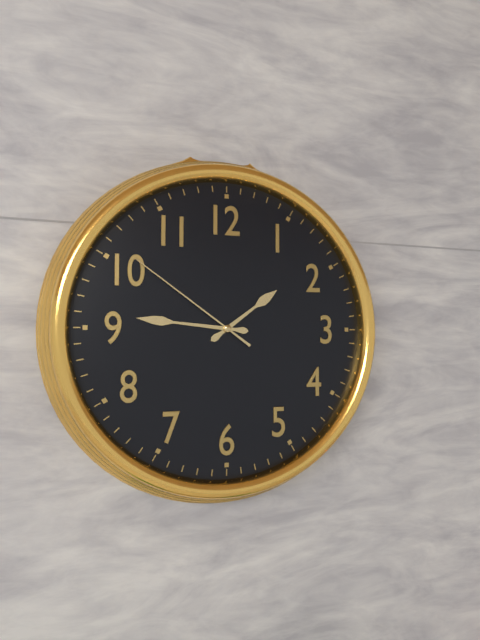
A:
1,46,51
